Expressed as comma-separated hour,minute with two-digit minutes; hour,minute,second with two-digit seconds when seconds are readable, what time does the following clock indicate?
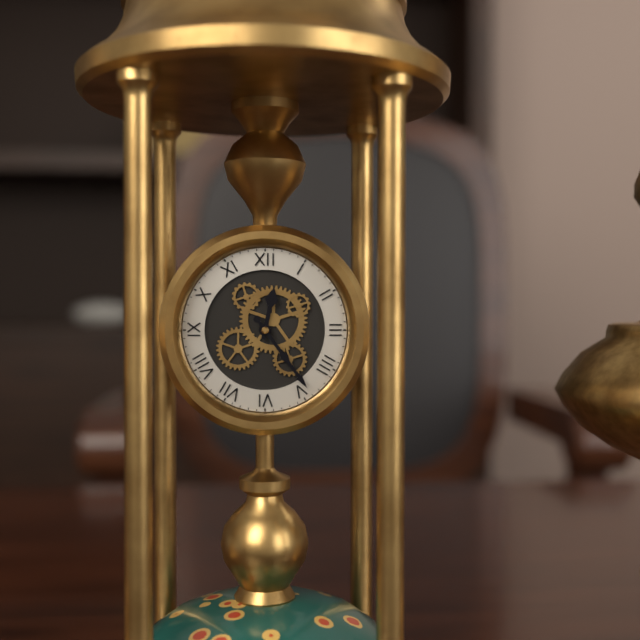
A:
12,24
